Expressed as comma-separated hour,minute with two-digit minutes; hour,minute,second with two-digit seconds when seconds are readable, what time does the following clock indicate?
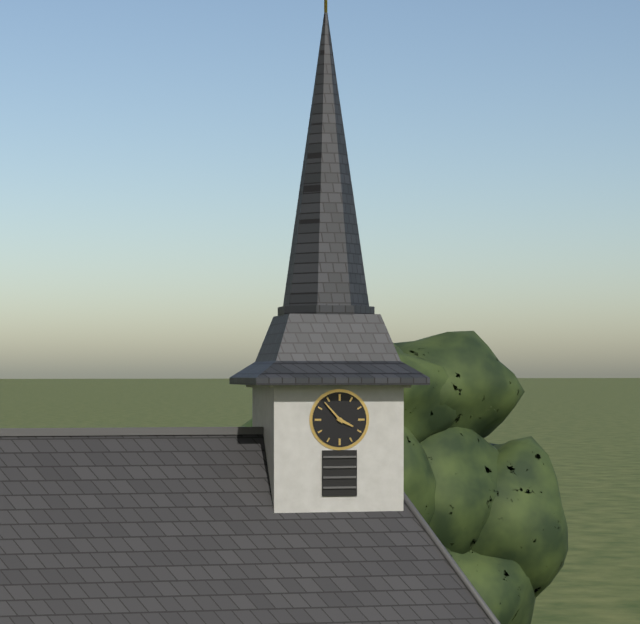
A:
3,53
